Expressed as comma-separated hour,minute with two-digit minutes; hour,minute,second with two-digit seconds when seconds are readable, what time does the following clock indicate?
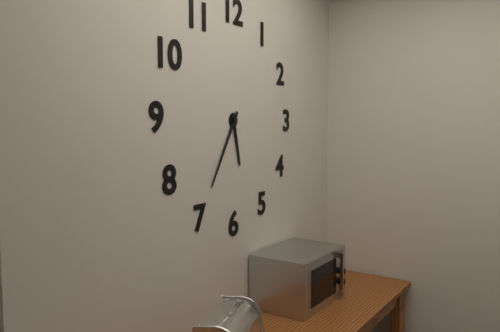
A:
5,35
